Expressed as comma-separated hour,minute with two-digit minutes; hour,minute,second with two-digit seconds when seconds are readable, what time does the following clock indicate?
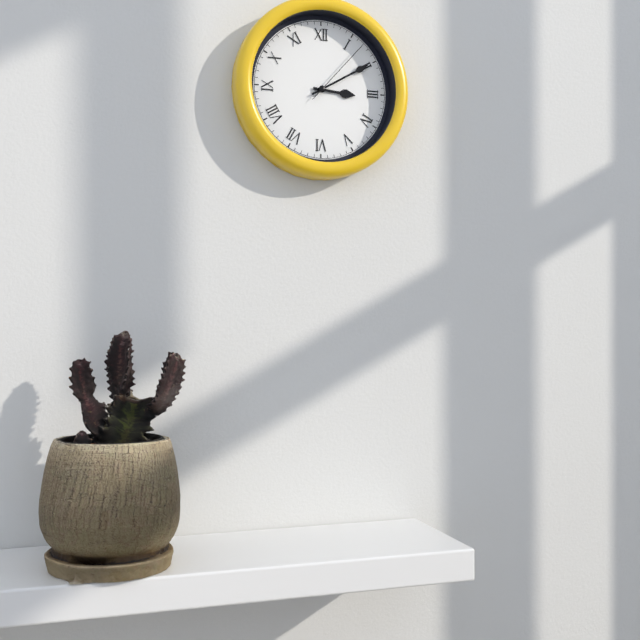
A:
3,10,07
